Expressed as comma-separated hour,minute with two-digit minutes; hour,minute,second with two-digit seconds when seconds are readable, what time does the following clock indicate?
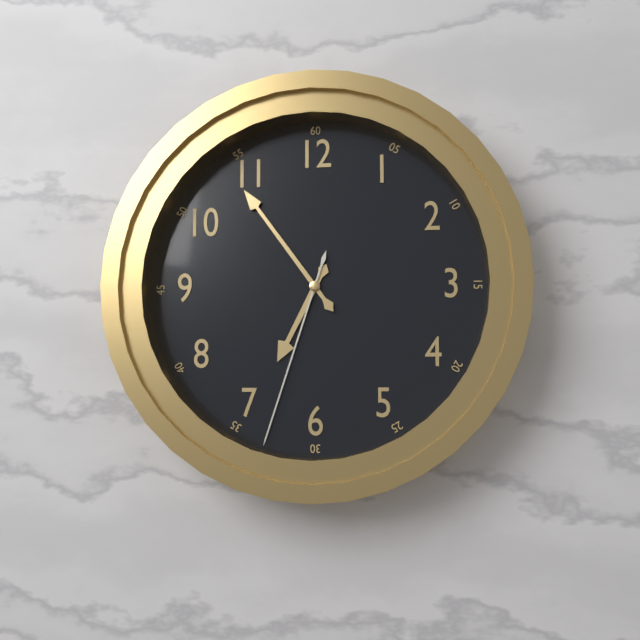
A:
6,54,33
